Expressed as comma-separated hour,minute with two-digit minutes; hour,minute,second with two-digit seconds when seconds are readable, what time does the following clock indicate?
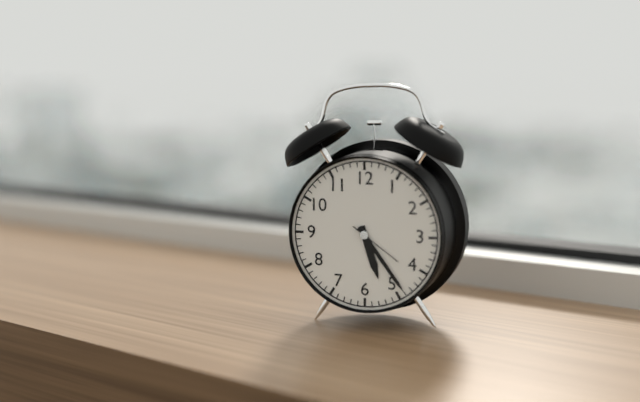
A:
5,24,21
